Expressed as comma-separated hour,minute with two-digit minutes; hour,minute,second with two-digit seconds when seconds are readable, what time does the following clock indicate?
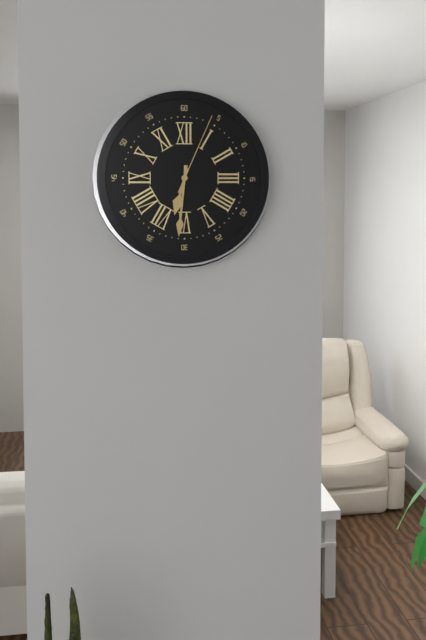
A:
6,31,04
